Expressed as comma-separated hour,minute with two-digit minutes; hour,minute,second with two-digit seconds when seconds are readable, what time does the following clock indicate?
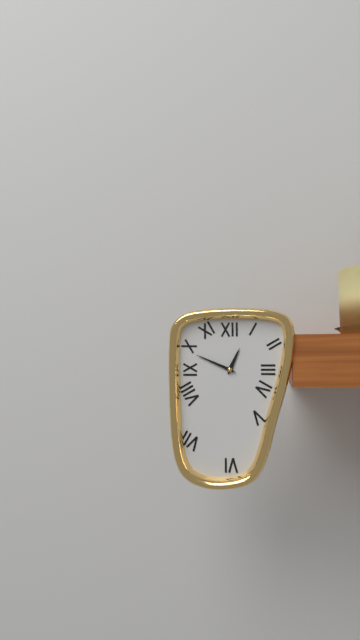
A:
12,49
